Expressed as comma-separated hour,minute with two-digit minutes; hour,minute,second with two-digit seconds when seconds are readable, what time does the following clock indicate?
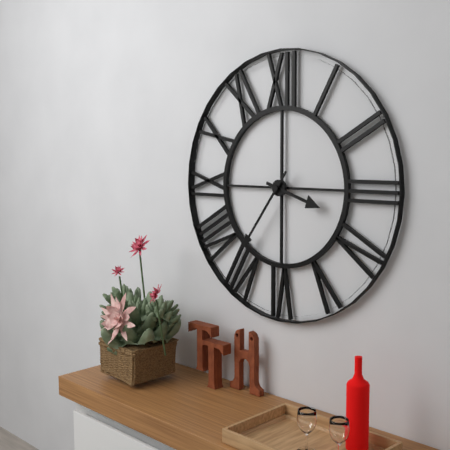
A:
3,36
